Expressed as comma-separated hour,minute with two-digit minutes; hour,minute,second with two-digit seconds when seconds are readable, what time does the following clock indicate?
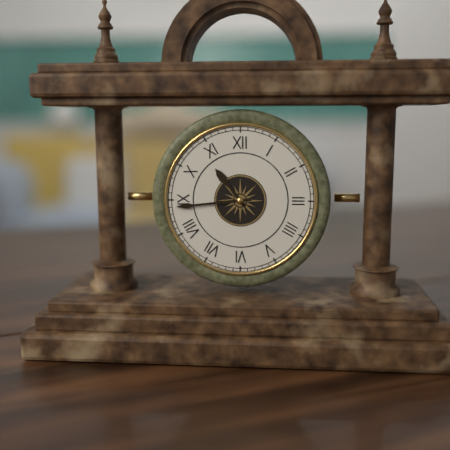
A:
10,44
